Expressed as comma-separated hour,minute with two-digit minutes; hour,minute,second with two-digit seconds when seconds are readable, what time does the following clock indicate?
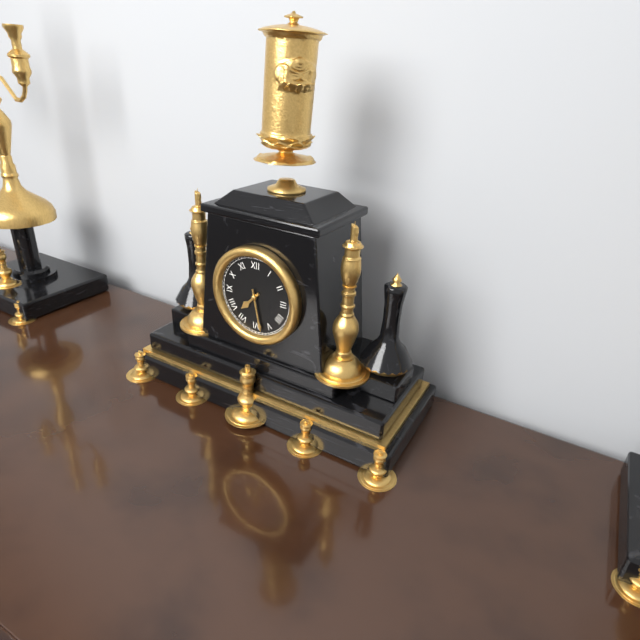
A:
7,28
